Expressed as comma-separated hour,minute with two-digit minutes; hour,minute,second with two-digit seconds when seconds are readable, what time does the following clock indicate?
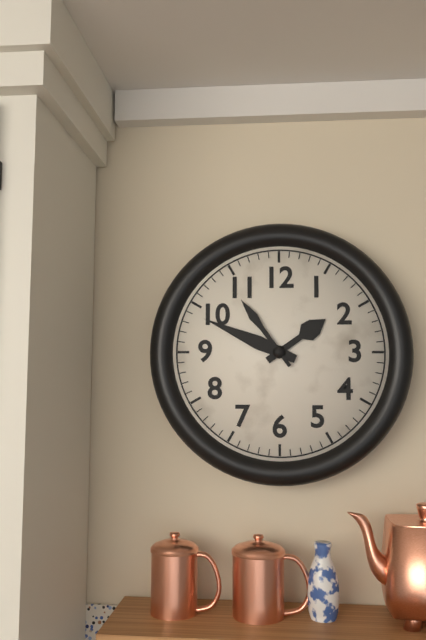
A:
1,49,54
